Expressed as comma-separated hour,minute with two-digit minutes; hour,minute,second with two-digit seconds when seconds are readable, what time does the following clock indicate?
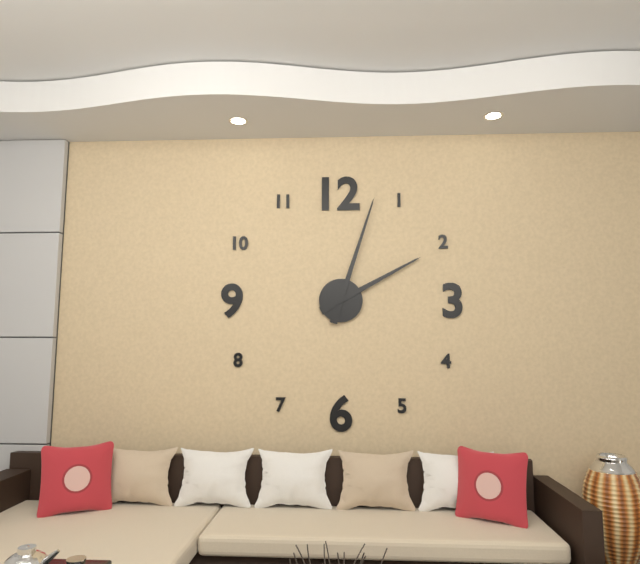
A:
2,03
